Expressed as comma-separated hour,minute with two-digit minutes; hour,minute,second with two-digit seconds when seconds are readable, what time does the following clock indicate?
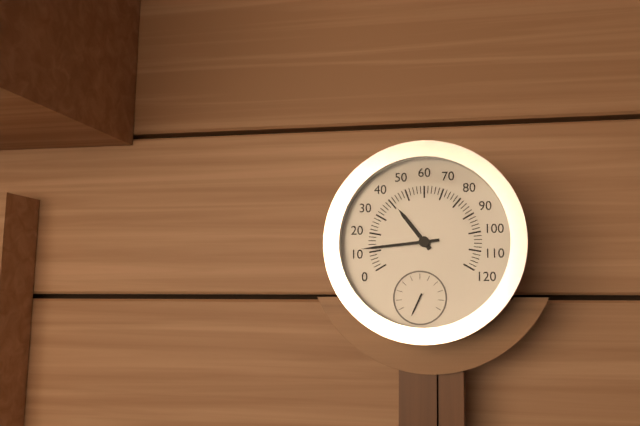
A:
10,44
